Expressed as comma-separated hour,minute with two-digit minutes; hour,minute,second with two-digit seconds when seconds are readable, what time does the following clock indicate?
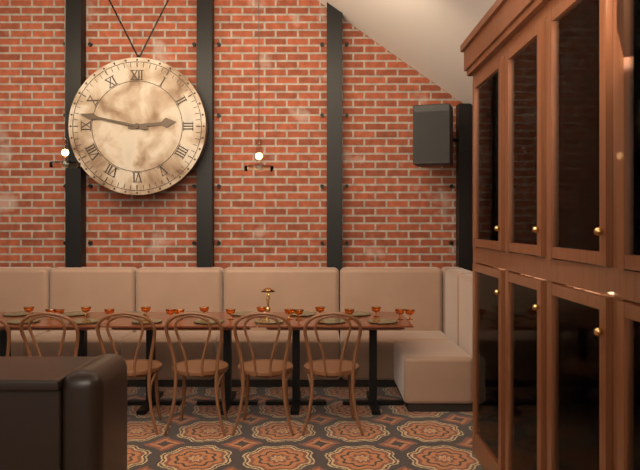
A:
2,47
